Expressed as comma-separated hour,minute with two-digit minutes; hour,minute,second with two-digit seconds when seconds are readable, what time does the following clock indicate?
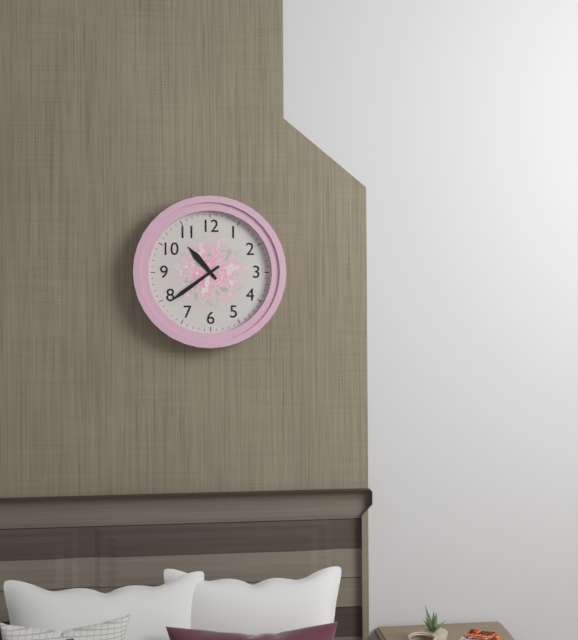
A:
10,39
